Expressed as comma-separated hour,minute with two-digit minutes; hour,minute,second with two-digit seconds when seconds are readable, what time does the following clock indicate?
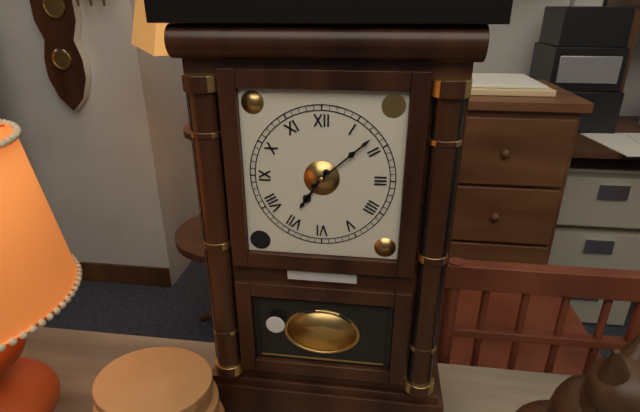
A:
7,08
